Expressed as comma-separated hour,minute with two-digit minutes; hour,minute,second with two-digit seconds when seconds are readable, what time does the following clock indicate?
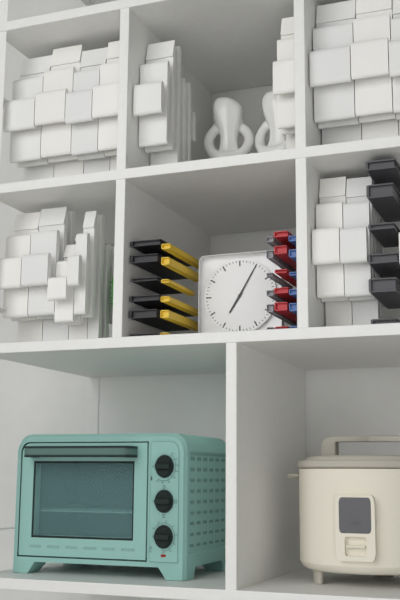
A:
7,05
